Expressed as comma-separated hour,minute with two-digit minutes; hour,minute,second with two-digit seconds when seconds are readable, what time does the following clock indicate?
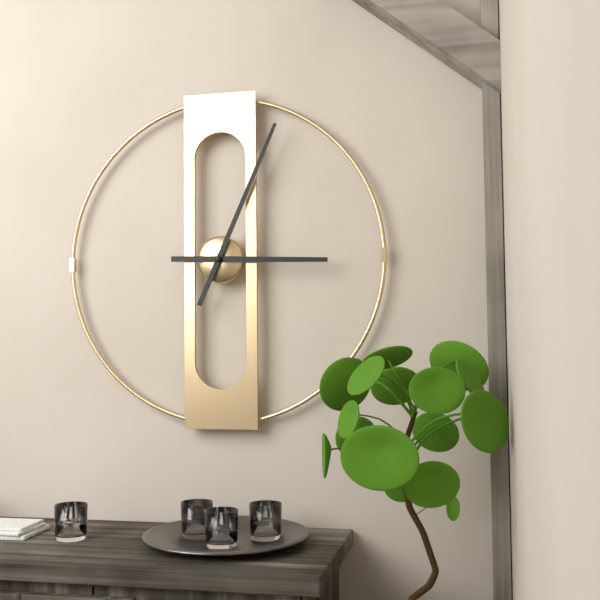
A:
3,04
